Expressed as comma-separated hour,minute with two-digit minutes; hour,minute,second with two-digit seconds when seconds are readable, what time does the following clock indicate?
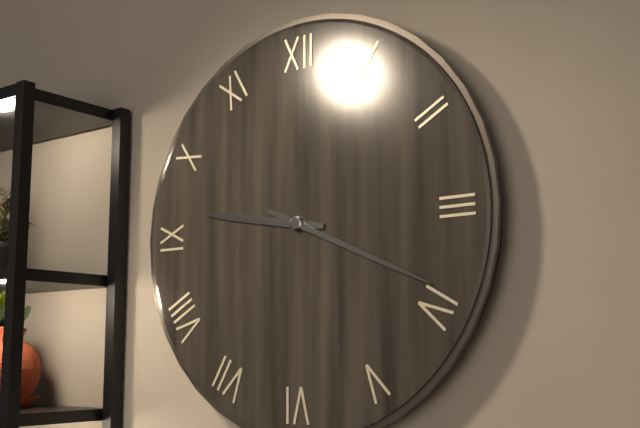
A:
9,19
